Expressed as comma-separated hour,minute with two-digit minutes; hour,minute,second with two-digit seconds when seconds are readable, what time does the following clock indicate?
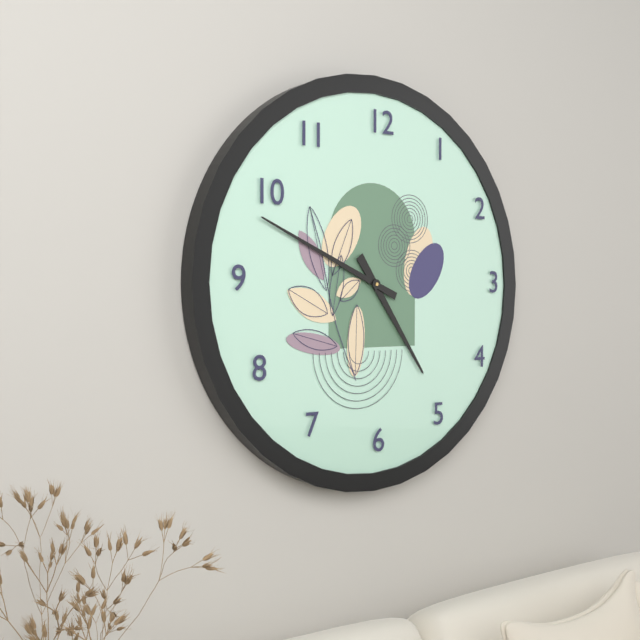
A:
4,49
